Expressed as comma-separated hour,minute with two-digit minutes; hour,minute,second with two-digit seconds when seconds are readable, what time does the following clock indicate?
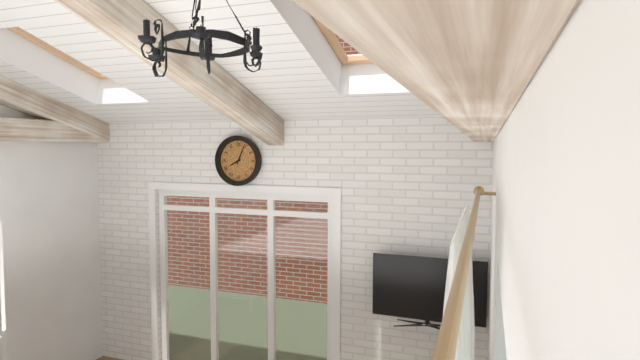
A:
8,04
